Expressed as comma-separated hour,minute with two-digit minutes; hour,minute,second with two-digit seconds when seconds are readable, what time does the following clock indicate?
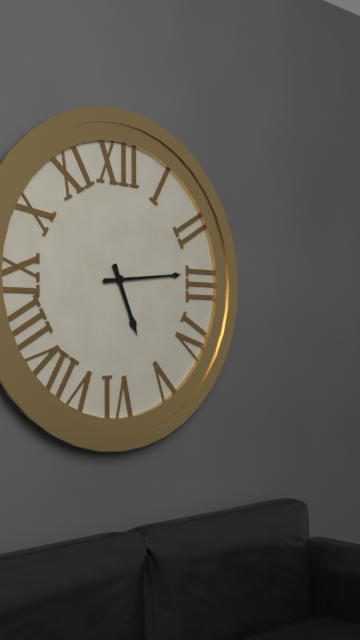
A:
5,14
